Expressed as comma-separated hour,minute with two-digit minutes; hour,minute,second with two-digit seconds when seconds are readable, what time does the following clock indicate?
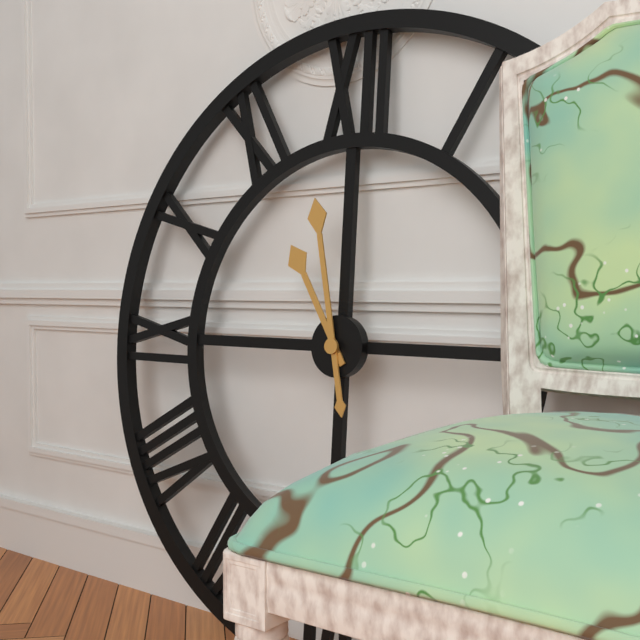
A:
10,58
